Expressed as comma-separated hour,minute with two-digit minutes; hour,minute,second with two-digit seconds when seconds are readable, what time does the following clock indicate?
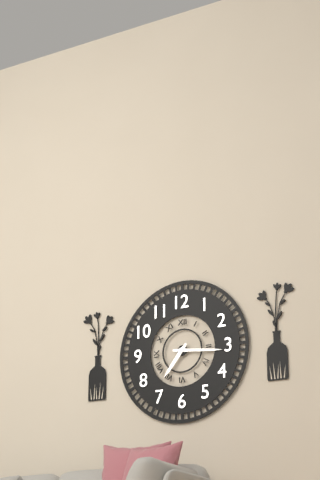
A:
7,16
